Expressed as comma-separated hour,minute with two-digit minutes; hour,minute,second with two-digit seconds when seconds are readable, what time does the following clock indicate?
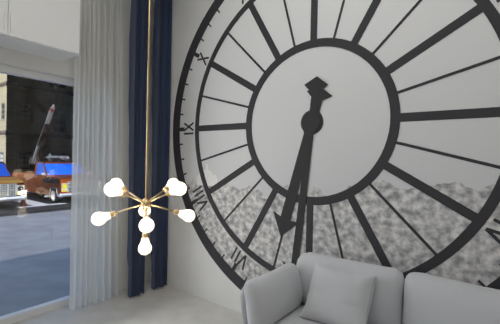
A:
6,31
